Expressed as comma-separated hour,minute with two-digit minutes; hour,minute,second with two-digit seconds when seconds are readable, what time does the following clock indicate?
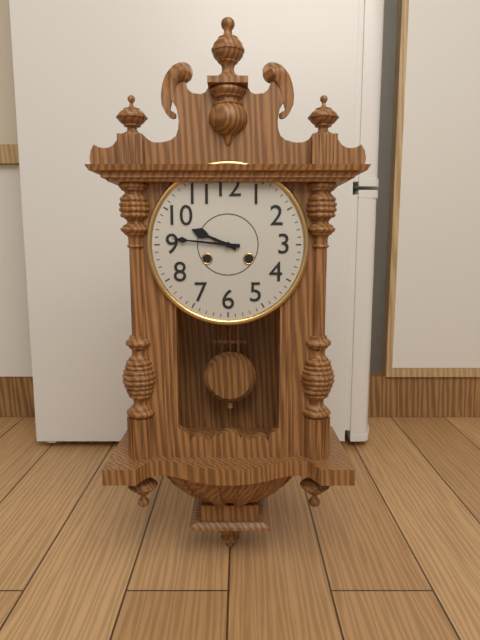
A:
9,46
